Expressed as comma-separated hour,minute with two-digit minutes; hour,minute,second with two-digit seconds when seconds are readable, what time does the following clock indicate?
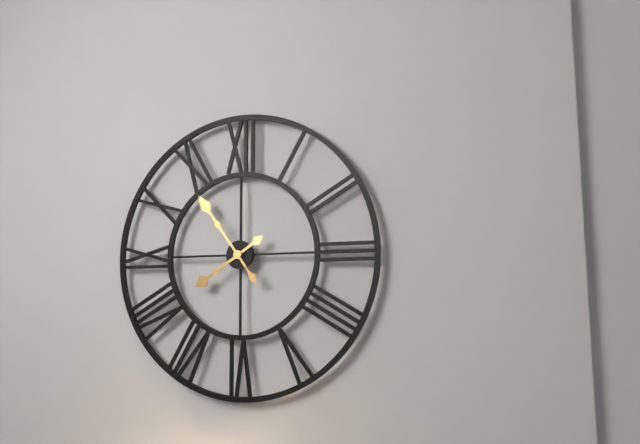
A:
7,54
